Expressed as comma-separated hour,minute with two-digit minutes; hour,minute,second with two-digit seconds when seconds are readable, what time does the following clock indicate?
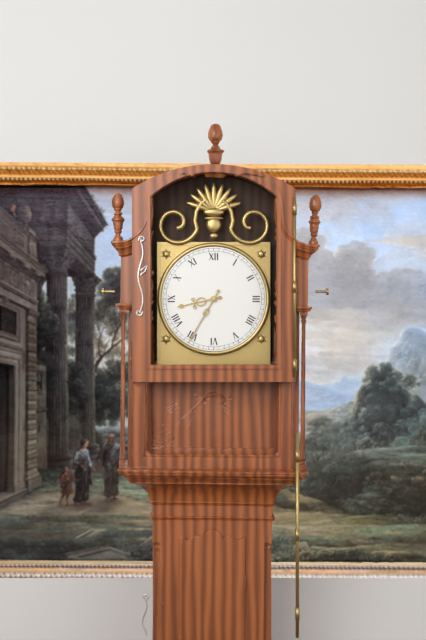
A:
8,35
